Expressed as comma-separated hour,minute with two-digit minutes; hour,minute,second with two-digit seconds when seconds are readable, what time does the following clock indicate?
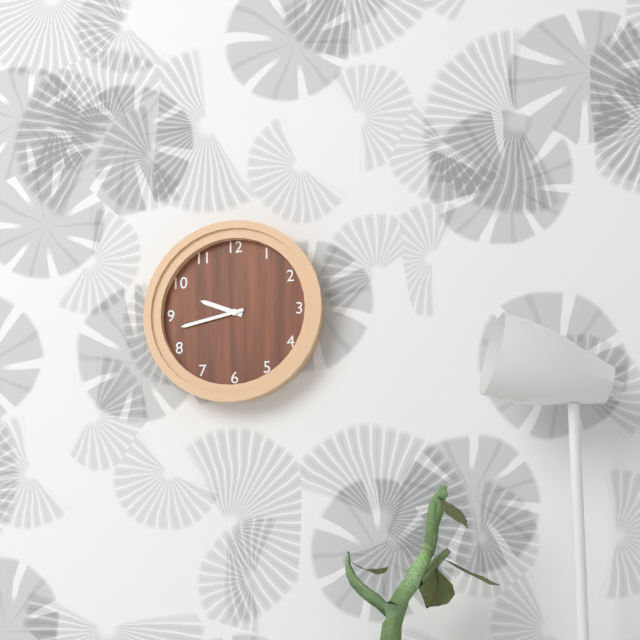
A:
9,43
